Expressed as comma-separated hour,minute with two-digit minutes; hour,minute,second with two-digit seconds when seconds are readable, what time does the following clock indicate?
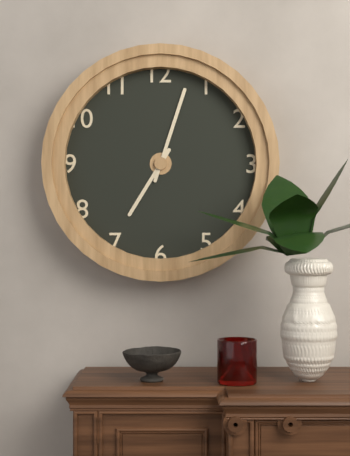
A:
7,03
